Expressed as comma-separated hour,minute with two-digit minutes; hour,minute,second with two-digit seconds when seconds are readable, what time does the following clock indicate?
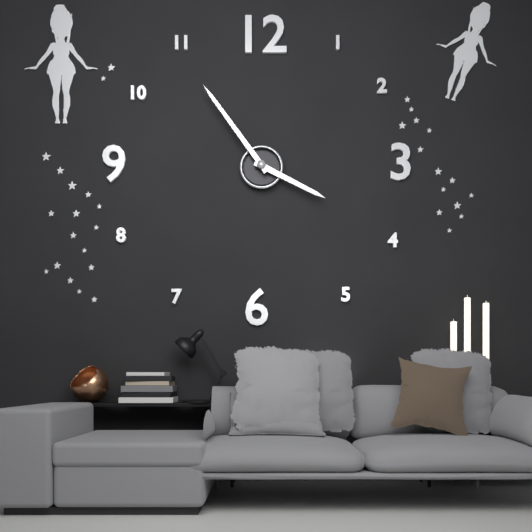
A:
3,54
